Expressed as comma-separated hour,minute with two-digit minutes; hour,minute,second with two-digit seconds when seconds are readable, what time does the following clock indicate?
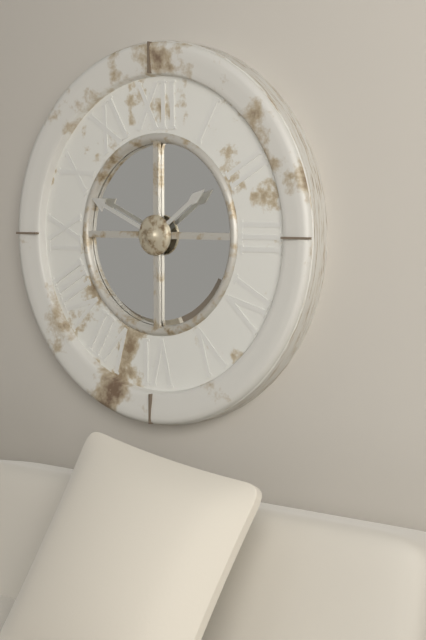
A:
1,49
